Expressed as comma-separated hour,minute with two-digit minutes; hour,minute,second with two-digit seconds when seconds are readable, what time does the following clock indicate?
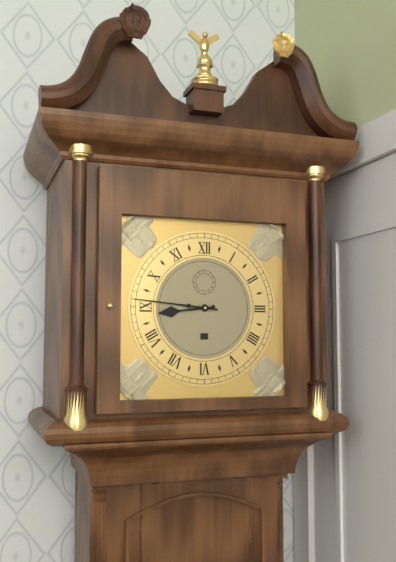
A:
8,46
